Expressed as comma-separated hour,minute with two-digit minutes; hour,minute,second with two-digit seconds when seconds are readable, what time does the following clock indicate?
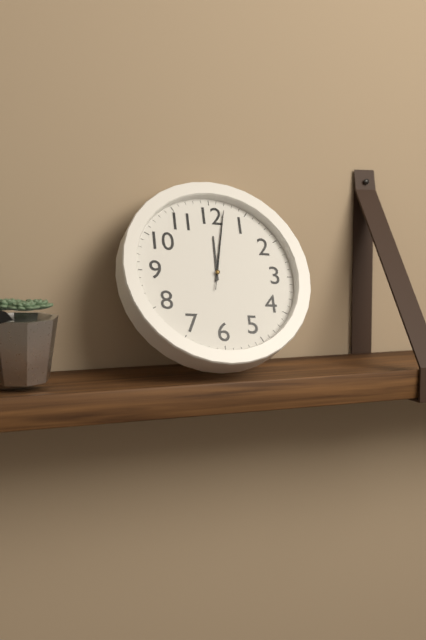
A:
12,02,02
